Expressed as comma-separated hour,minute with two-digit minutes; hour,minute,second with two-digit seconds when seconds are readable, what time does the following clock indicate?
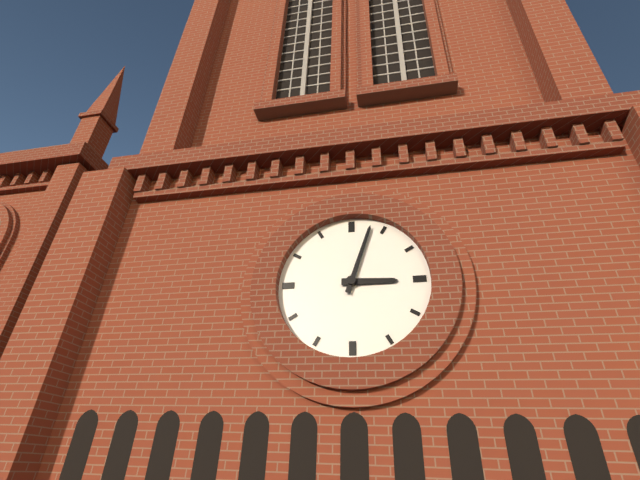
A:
3,03
